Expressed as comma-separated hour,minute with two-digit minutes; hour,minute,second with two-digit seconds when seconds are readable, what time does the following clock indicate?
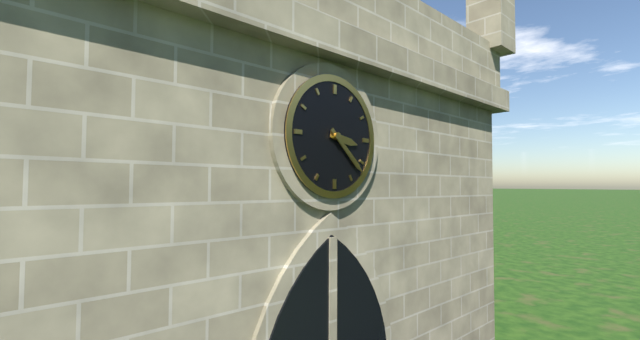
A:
3,22
